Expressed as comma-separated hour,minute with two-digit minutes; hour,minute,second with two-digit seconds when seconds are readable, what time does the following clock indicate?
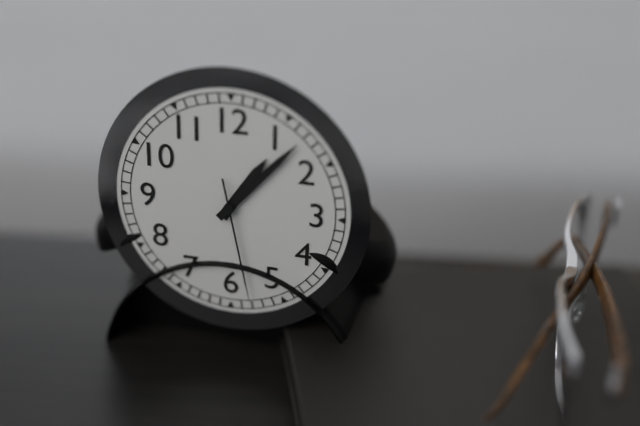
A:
1,07,28
